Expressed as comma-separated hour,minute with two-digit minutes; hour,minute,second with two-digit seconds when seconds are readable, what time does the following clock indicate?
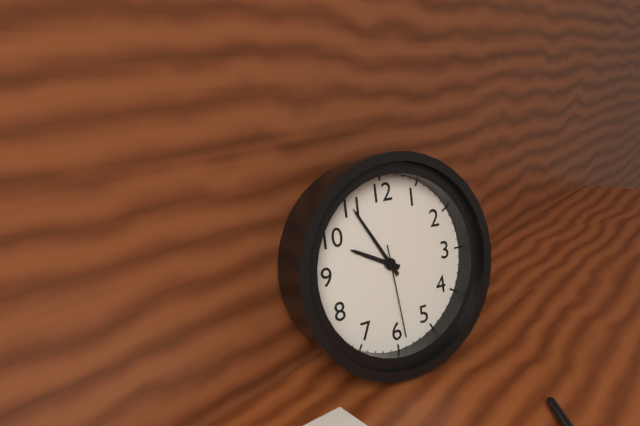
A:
9,55,29
